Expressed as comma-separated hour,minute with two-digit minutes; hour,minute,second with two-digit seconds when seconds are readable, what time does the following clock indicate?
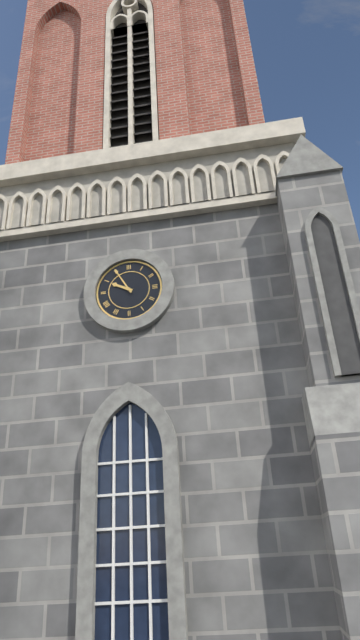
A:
9,55
